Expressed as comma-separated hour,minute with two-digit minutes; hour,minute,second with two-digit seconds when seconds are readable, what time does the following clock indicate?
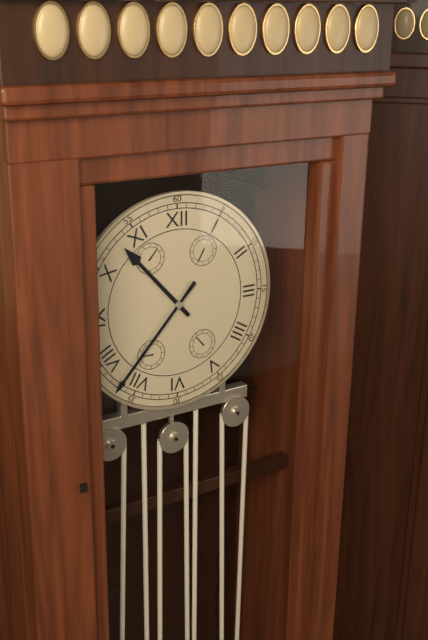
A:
10,37
